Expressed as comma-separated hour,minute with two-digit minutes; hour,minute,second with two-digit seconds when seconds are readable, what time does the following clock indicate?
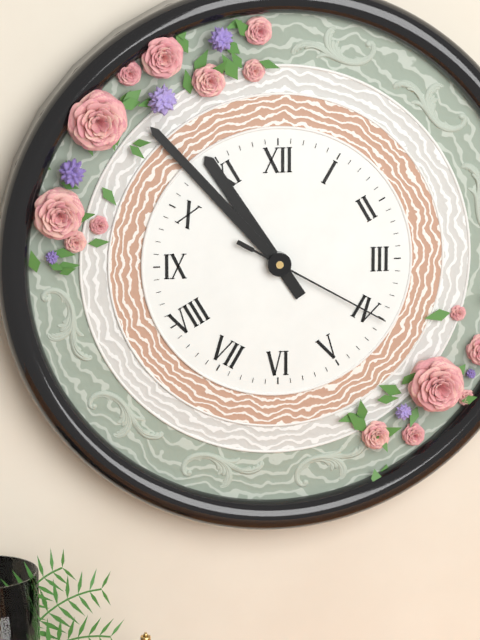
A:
10,53,20
